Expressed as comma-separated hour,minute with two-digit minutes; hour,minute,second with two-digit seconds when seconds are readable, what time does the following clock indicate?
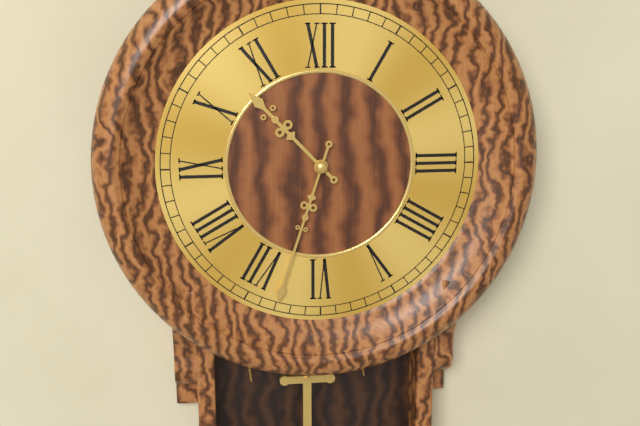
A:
10,33
